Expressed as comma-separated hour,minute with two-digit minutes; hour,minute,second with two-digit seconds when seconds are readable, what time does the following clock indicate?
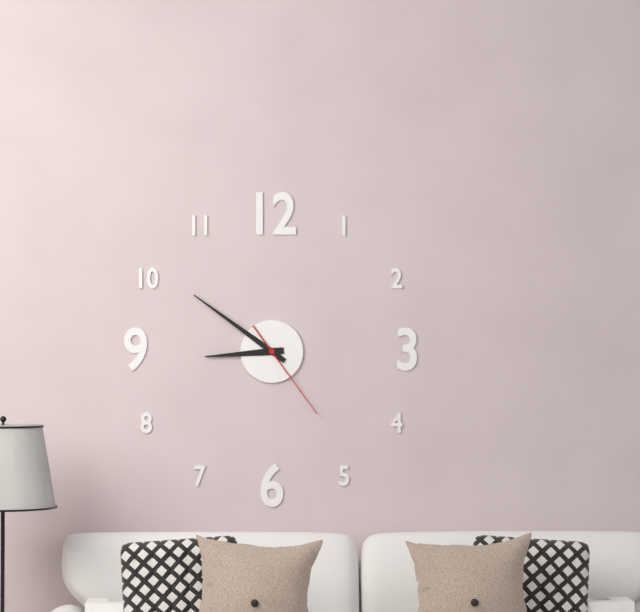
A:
8,51,24
